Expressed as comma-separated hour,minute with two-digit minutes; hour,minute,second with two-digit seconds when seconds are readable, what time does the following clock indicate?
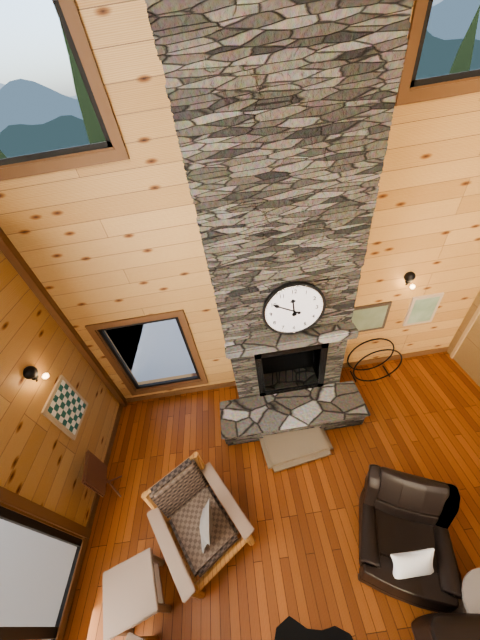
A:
11,50
